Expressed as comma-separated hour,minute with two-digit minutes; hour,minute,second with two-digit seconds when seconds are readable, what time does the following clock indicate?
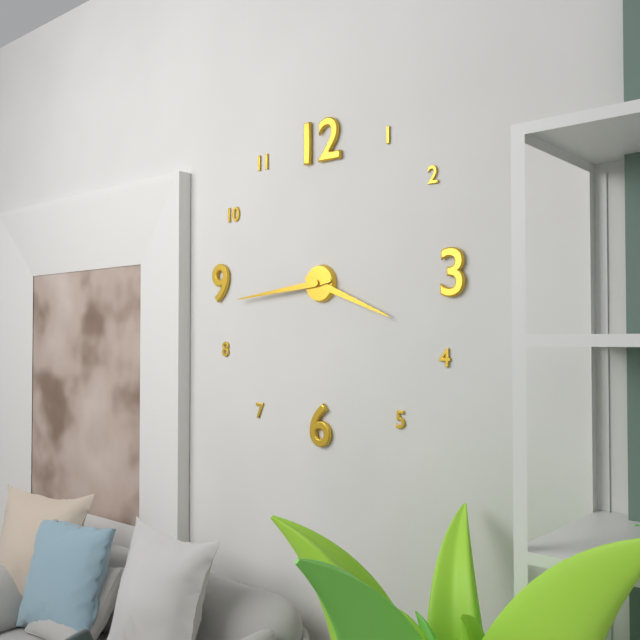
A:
3,44
